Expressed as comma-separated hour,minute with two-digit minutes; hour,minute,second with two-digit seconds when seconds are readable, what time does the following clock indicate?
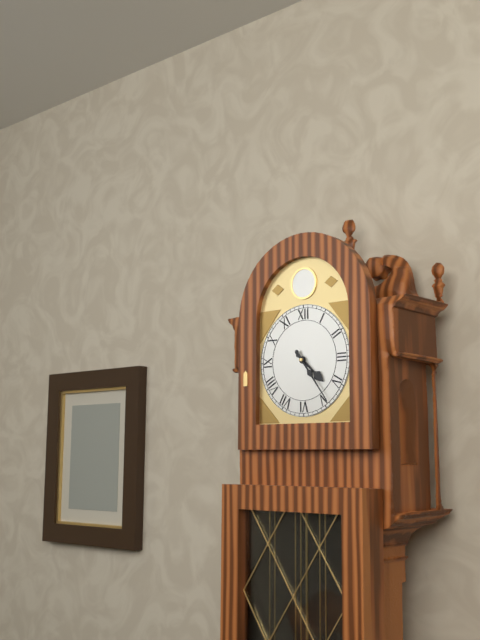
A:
4,24
